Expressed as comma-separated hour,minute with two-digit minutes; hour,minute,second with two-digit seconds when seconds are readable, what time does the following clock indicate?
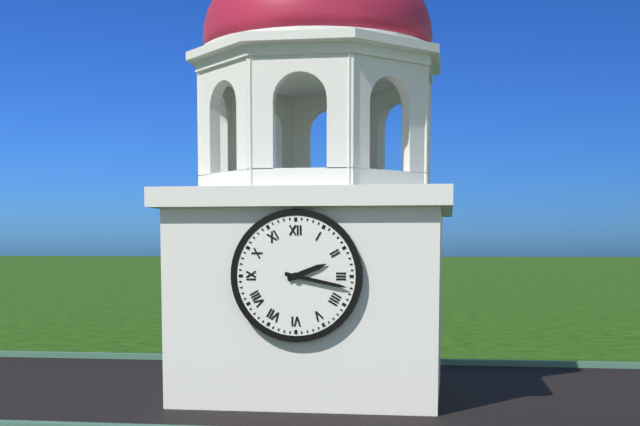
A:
2,17
